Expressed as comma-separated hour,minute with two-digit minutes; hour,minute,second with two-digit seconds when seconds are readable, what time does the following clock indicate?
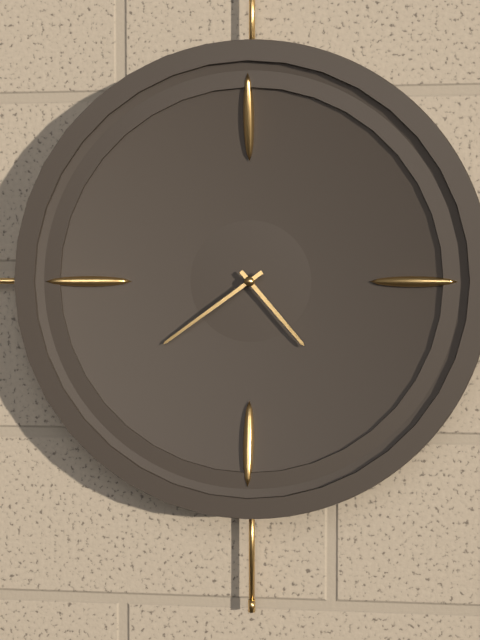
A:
4,39
